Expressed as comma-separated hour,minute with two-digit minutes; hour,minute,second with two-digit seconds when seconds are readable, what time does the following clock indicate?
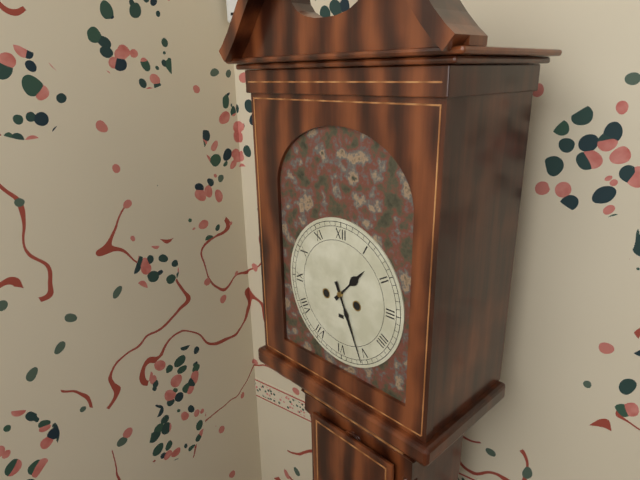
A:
1,26
